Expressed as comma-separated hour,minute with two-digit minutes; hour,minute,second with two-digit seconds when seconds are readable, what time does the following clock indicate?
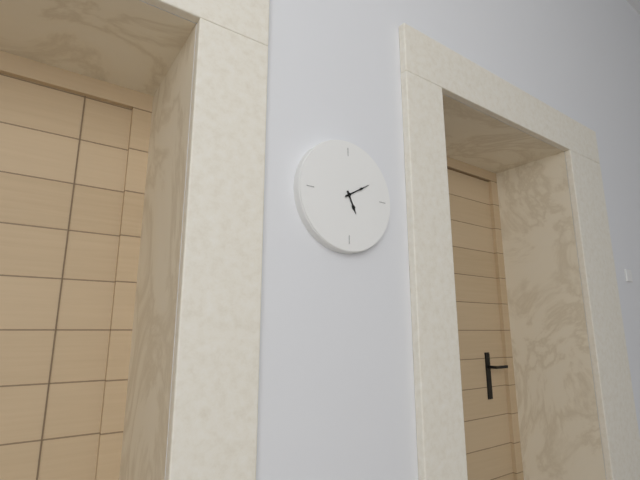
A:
5,10
